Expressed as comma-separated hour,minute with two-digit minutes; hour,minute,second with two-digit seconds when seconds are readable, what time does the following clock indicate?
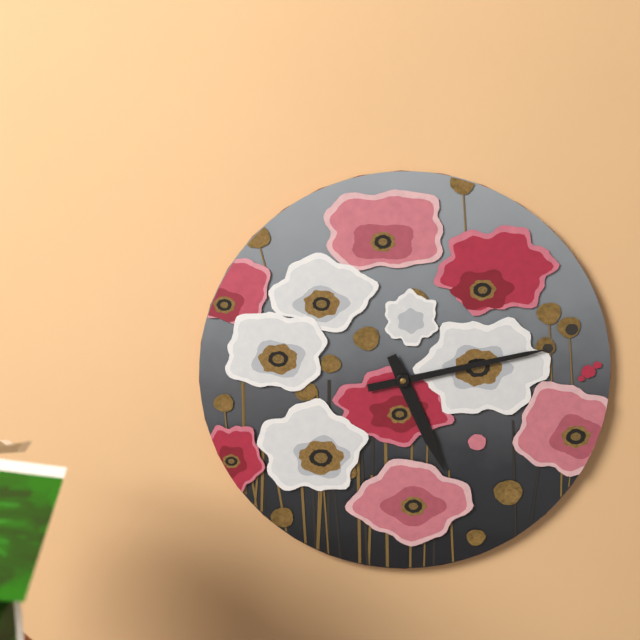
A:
5,13
